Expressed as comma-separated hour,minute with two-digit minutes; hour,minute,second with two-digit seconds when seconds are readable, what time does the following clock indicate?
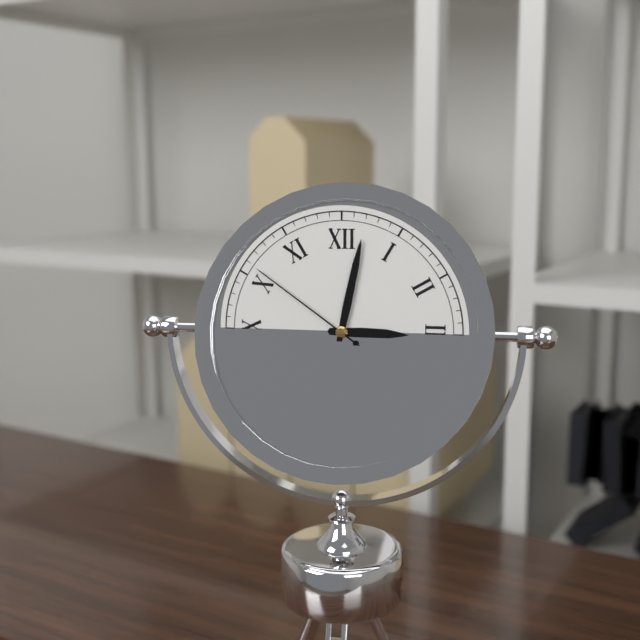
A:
3,02,51
